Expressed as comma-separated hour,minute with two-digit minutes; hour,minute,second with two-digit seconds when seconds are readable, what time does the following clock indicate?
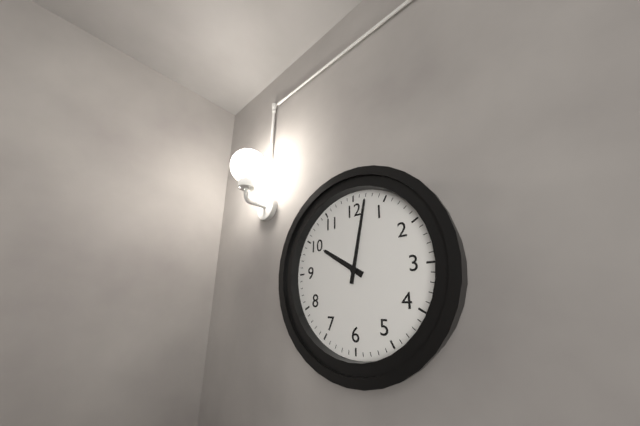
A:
10,02
